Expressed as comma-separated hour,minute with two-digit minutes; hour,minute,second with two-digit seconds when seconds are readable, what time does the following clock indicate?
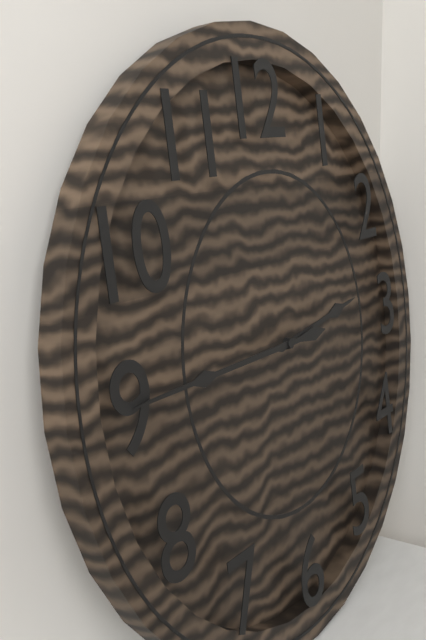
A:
2,45
